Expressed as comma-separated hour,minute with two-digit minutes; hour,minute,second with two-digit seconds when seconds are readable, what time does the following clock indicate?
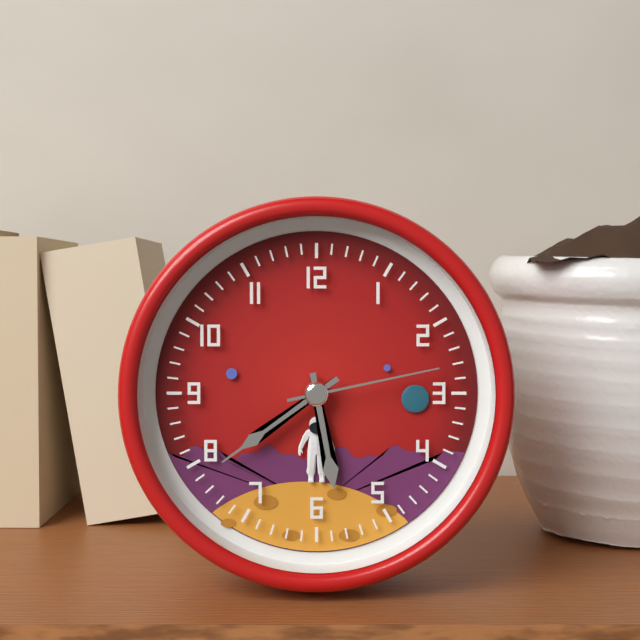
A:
5,39,13
